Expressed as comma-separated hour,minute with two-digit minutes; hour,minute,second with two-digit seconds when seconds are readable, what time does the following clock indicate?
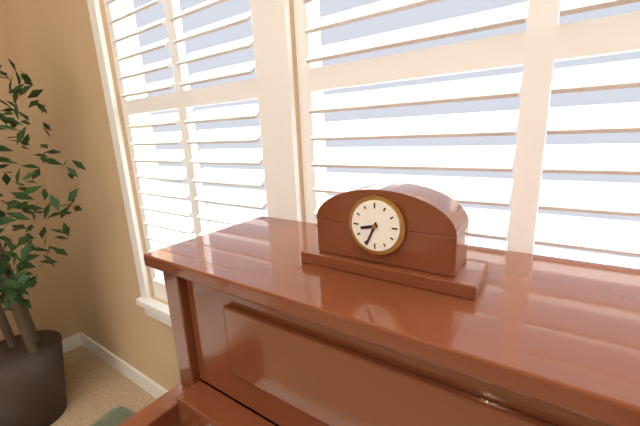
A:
8,34
